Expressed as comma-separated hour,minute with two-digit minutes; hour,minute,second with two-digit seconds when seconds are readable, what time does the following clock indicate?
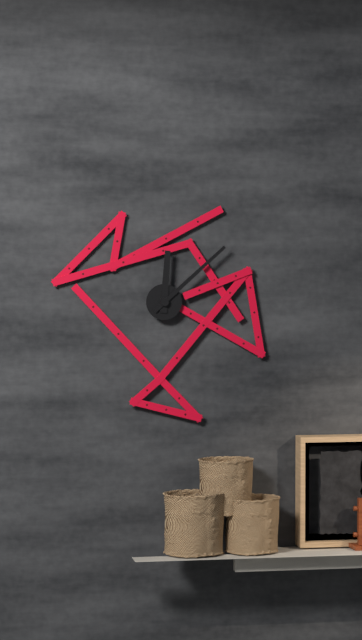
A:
12,08
